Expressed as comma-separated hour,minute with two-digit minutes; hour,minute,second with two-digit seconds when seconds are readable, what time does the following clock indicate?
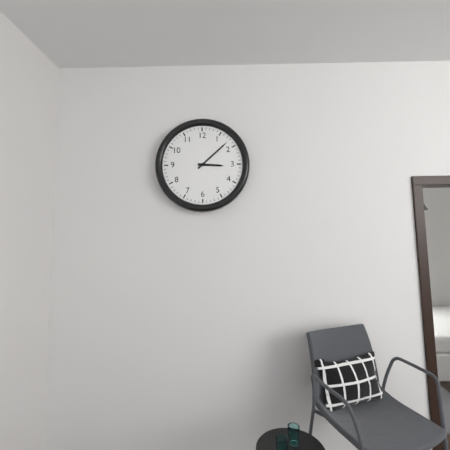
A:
3,08
